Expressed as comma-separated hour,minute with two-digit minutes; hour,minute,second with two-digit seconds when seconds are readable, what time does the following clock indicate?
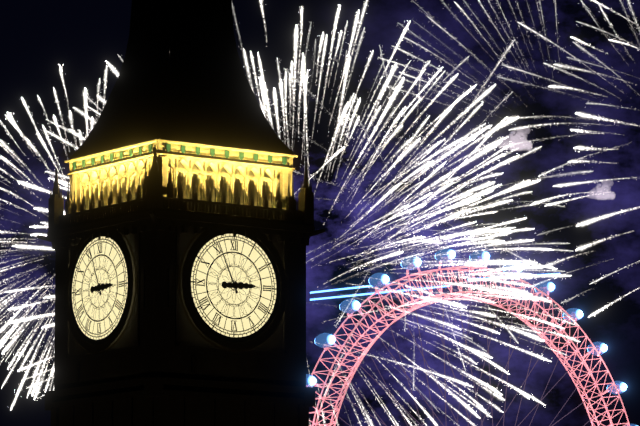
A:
2,56
